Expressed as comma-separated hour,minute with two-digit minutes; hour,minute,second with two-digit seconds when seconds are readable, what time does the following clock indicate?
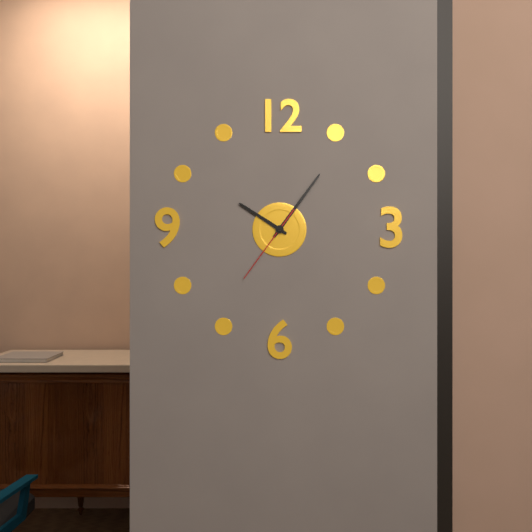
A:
10,06,36
